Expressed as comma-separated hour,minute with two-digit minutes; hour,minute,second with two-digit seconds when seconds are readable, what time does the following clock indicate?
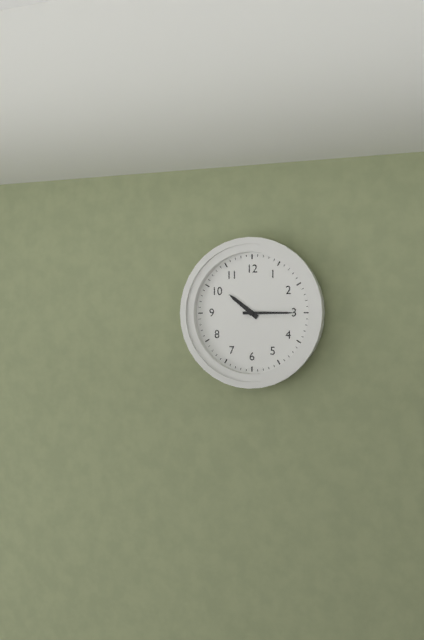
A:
10,15
